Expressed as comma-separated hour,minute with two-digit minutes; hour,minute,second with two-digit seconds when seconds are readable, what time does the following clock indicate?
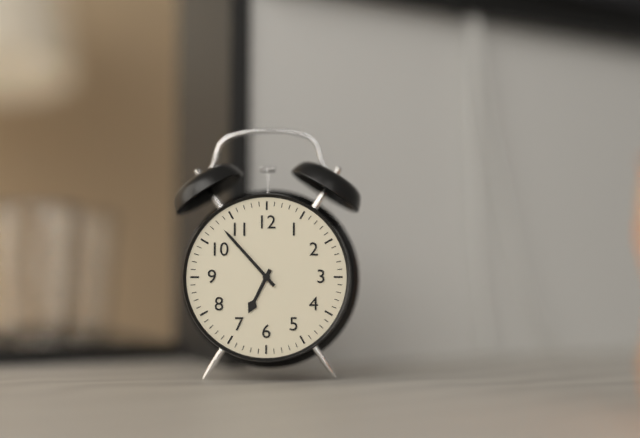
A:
6,53
